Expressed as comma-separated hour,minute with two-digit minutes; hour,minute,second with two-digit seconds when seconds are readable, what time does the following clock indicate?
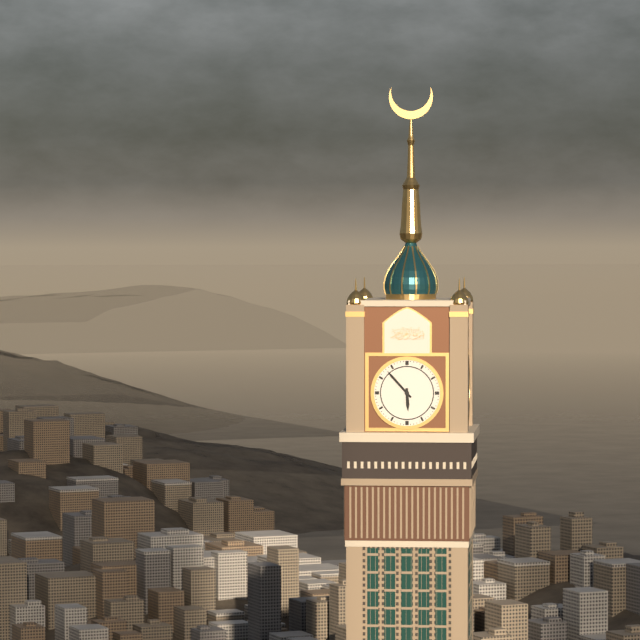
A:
5,53
